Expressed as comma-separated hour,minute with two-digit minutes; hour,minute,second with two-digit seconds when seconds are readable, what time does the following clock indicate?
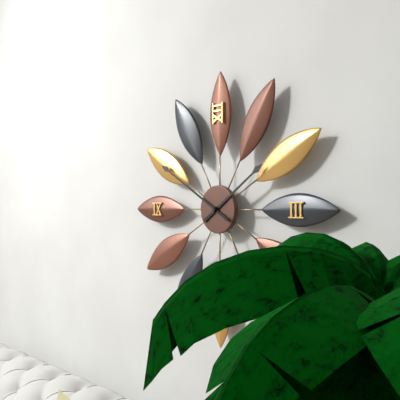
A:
1,50
